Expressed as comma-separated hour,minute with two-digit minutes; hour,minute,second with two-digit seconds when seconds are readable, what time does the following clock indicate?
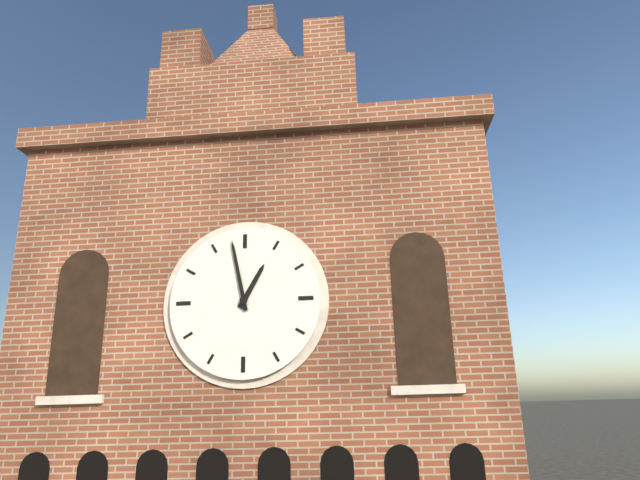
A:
12,58
